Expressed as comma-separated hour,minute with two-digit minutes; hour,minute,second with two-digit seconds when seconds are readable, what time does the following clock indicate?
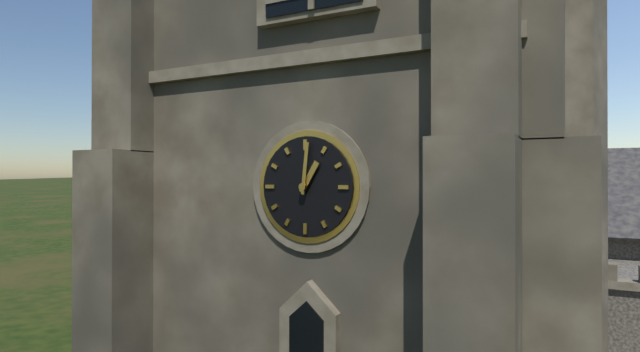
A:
1,01
